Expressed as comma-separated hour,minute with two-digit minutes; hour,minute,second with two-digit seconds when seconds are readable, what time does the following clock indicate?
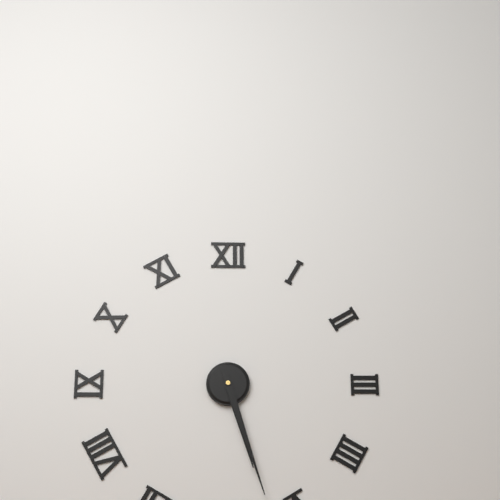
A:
5,27
